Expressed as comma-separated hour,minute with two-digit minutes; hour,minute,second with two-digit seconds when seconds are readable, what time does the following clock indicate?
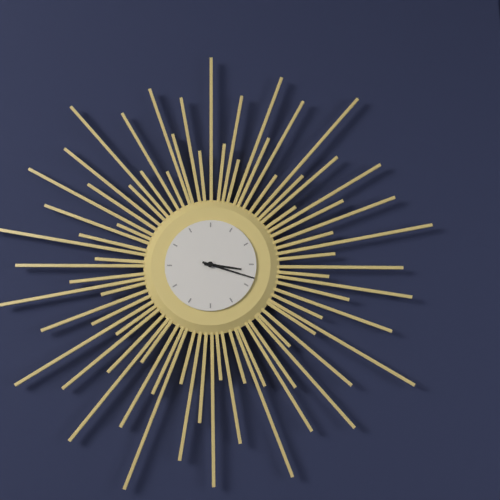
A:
3,18
